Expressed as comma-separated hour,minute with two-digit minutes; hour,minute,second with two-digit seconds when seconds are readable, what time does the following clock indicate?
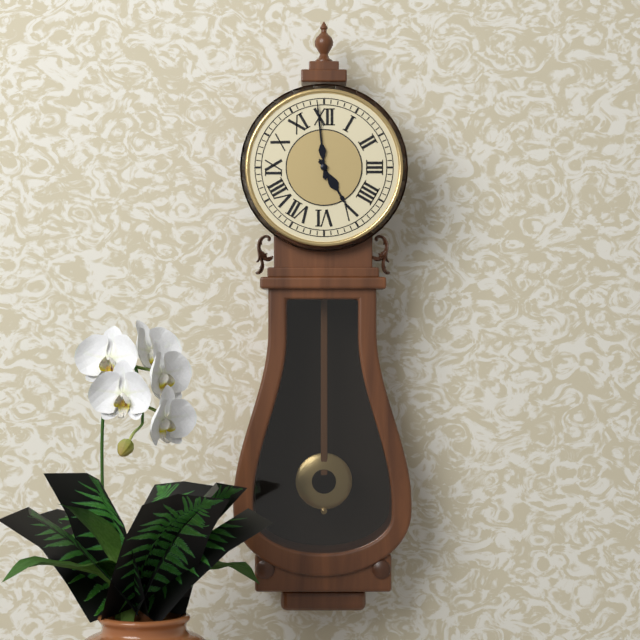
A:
4,59
